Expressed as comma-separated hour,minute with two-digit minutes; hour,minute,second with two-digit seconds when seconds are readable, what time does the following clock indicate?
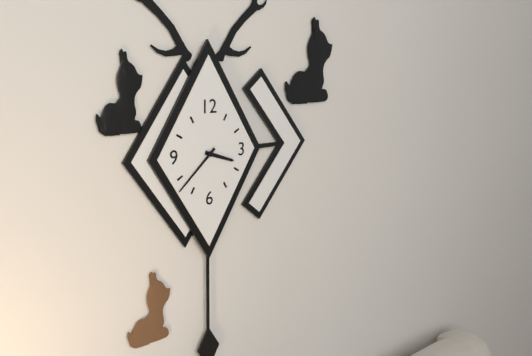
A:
3,38
